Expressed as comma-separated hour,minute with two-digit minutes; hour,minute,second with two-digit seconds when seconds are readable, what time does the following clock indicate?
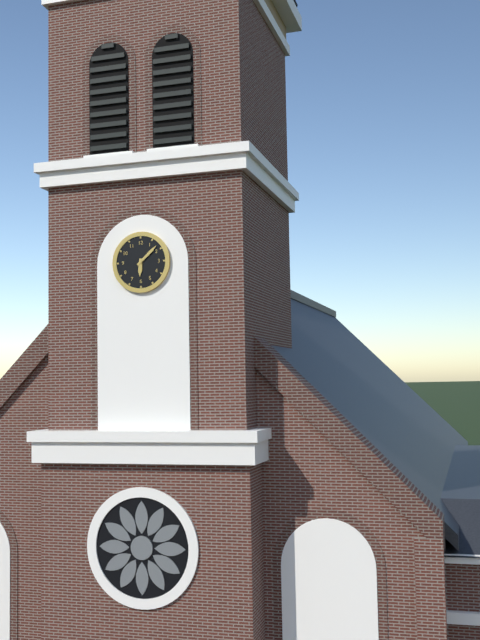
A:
6,08
